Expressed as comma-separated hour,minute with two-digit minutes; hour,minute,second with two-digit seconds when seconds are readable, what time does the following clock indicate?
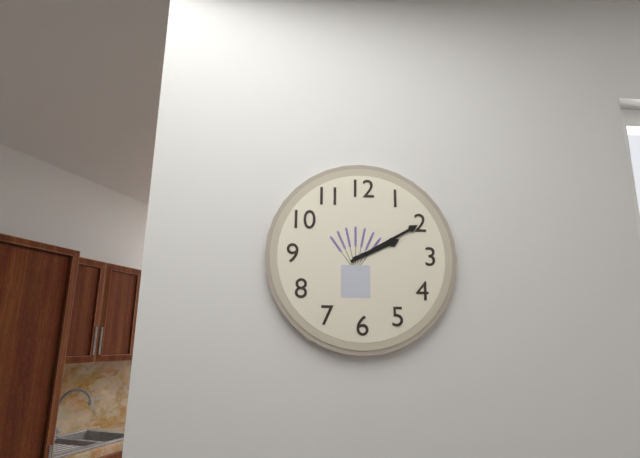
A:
2,10
